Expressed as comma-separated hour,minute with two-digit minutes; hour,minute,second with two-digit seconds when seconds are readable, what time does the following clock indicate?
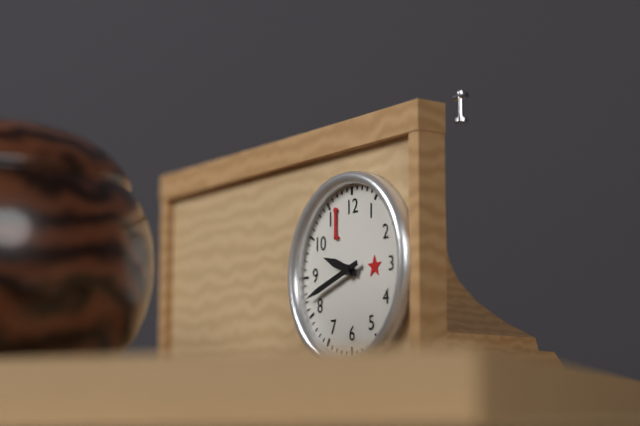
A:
9,42
